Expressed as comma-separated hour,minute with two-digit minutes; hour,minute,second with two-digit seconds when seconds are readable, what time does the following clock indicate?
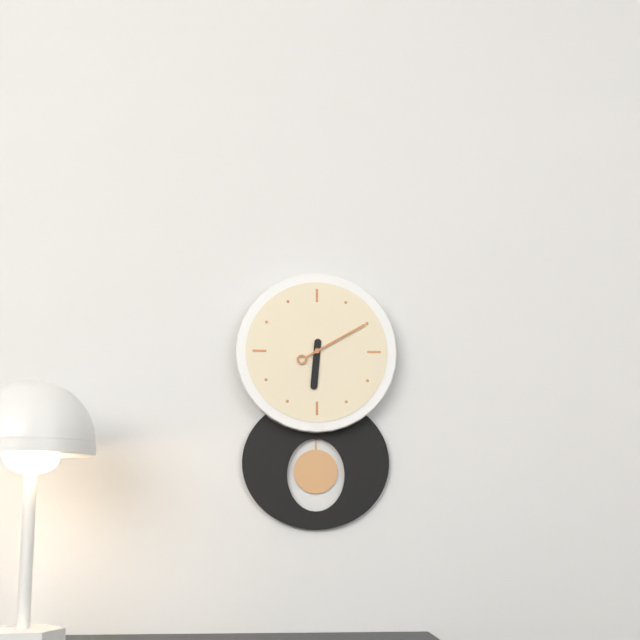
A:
6,10
